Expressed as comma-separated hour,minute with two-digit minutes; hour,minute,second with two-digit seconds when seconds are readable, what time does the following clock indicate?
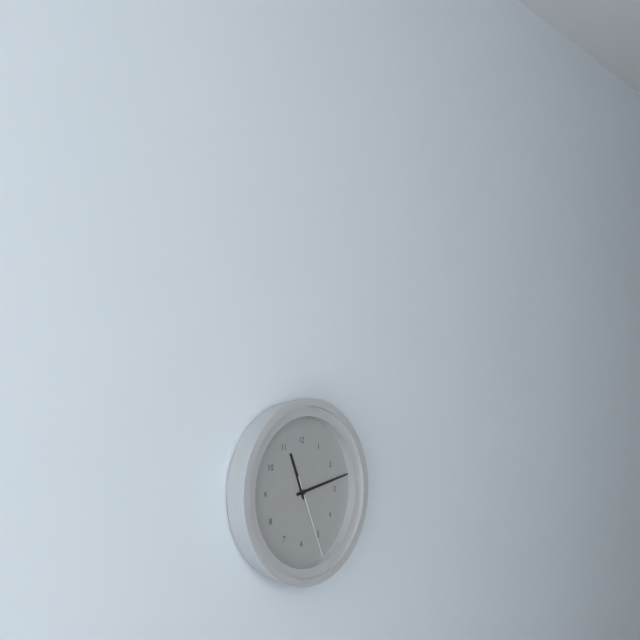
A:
11,13,26
